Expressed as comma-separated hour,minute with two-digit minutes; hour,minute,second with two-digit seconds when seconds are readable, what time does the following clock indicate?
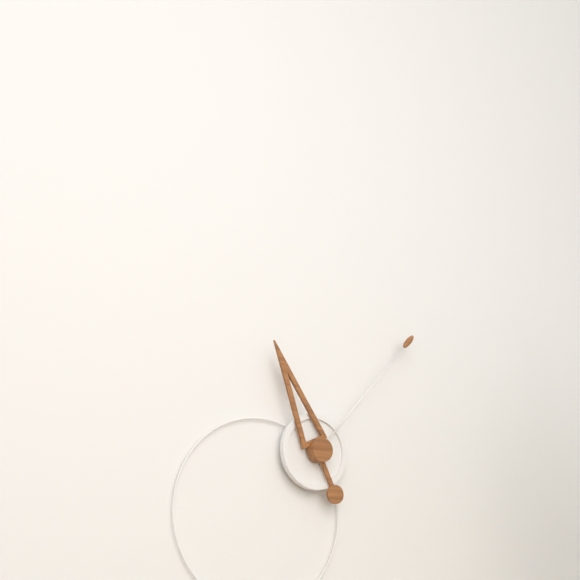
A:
11,07
